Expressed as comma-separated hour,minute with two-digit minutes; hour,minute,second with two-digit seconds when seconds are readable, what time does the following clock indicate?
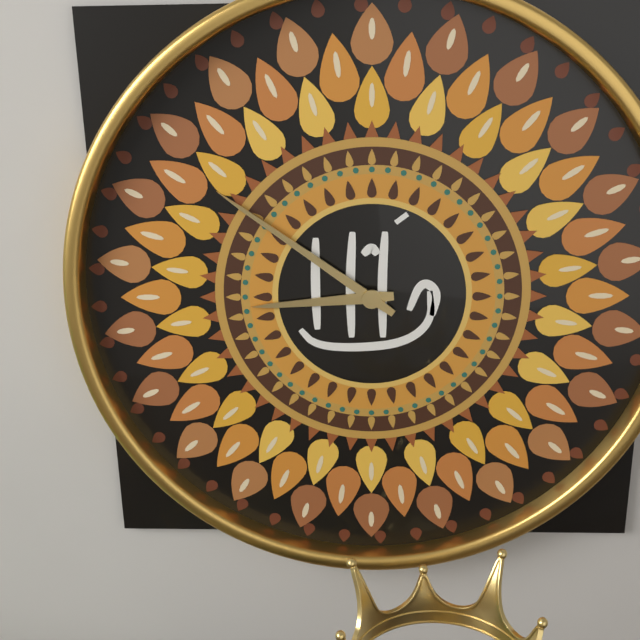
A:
8,51
